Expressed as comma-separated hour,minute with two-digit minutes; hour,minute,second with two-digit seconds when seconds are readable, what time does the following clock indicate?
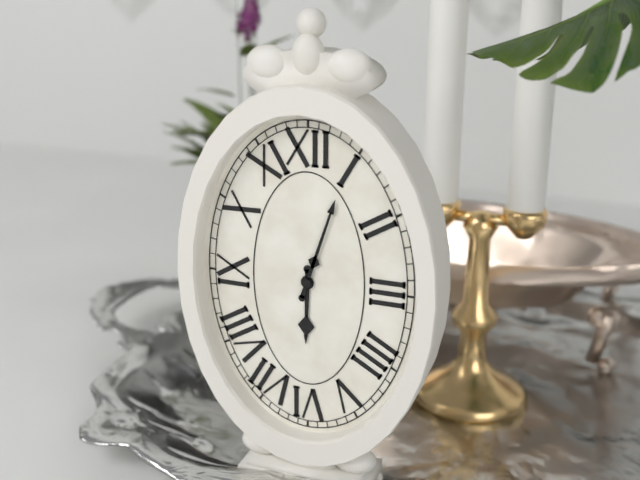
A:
6,03
